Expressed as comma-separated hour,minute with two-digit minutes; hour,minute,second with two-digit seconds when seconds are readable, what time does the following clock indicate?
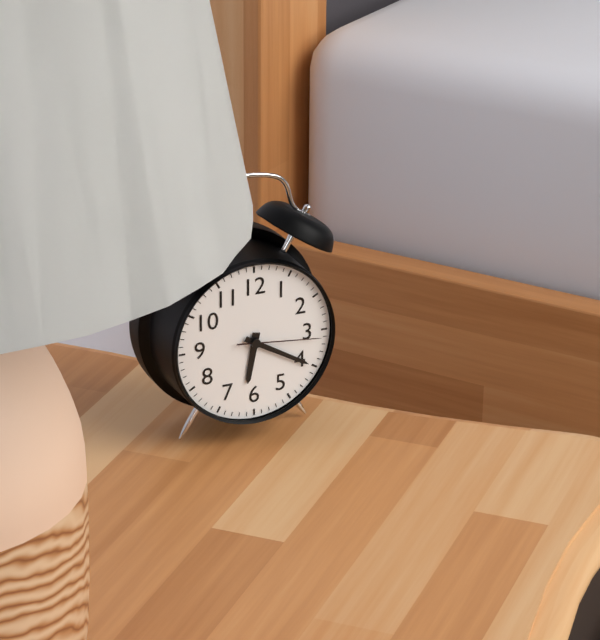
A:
6,20,16
